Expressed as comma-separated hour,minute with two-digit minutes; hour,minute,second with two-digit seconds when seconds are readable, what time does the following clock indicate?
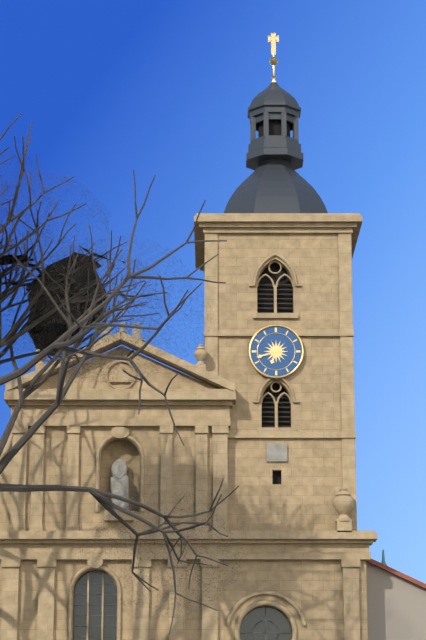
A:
6,42
